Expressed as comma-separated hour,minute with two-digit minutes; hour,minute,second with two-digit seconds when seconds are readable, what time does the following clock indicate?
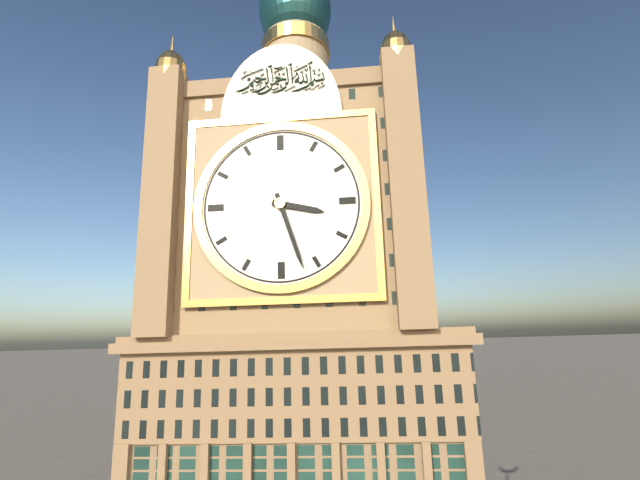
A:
3,27
